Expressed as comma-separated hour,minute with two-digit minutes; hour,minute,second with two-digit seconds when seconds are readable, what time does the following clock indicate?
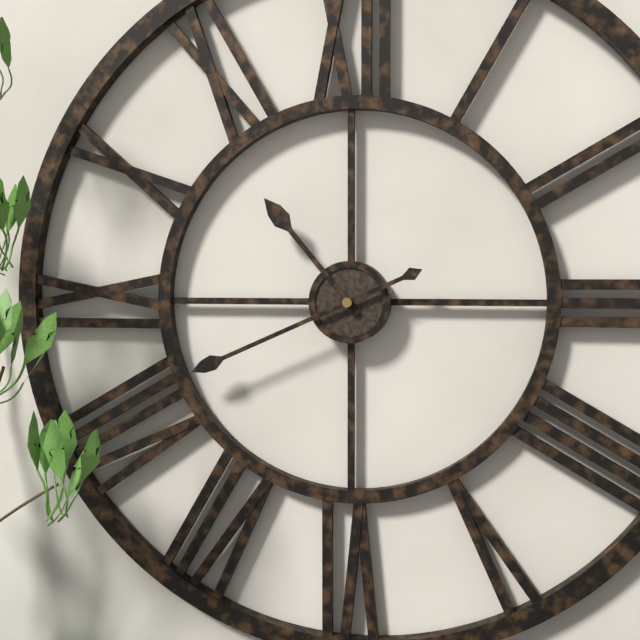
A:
10,41
